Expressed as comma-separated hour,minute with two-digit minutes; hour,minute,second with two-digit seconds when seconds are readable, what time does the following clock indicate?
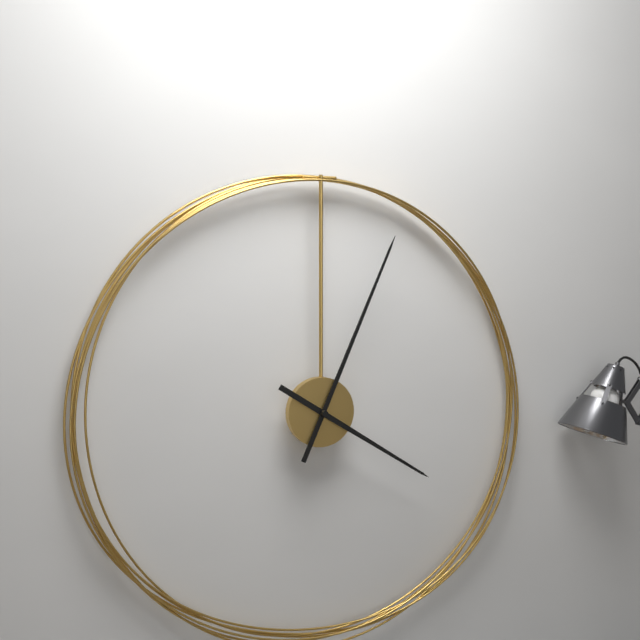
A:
4,04
